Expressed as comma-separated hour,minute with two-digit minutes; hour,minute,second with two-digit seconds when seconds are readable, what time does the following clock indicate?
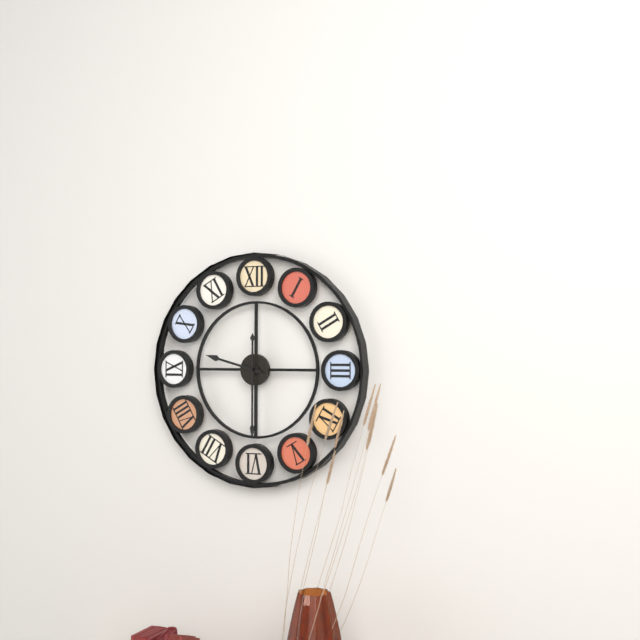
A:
9,30
